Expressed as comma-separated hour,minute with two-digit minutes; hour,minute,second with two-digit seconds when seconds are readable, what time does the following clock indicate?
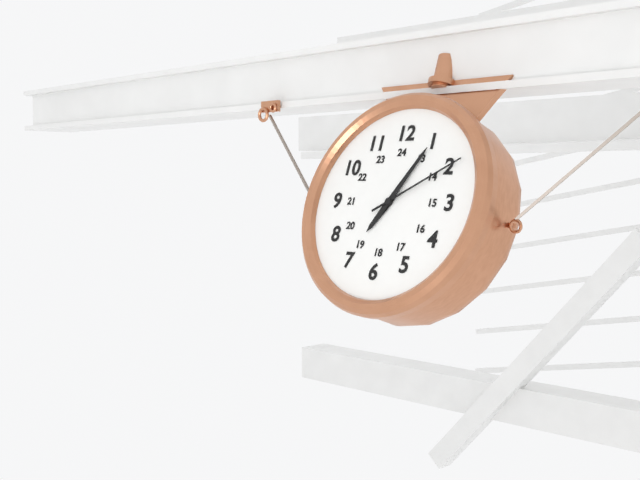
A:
7,05,10
